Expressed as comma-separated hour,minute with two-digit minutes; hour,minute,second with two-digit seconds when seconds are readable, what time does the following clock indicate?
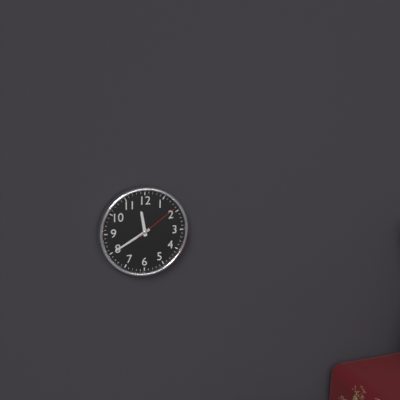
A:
11,40
